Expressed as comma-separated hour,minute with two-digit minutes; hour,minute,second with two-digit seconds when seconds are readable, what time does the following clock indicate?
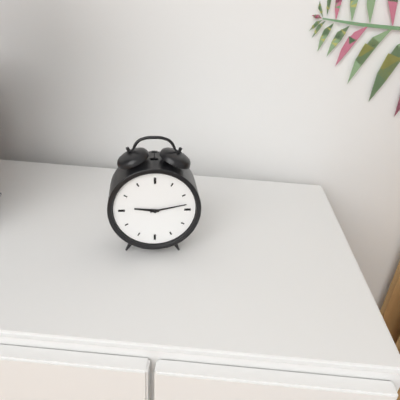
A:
9,13
